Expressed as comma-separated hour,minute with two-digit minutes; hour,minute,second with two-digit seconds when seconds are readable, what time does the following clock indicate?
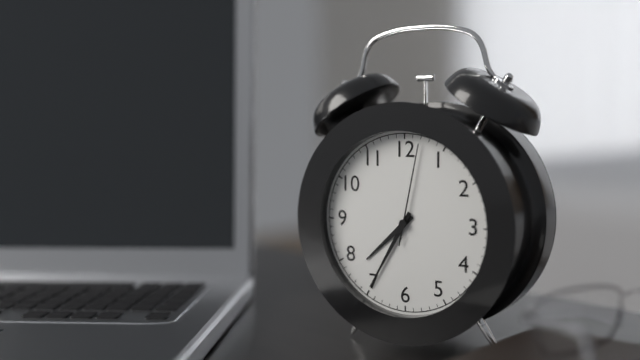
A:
7,35,02
